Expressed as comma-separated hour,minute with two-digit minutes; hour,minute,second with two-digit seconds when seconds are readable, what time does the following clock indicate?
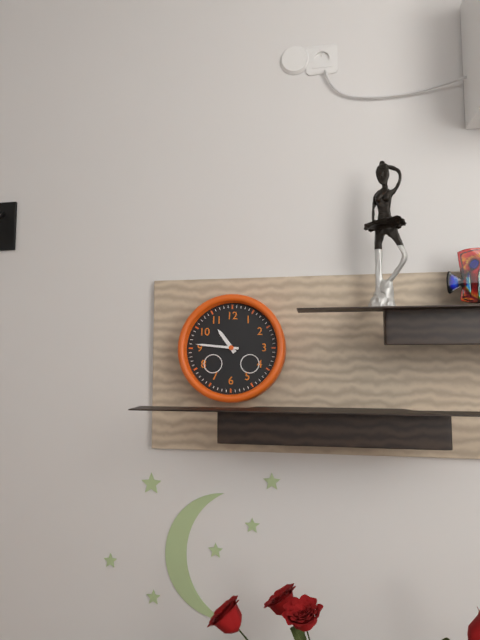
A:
10,46
